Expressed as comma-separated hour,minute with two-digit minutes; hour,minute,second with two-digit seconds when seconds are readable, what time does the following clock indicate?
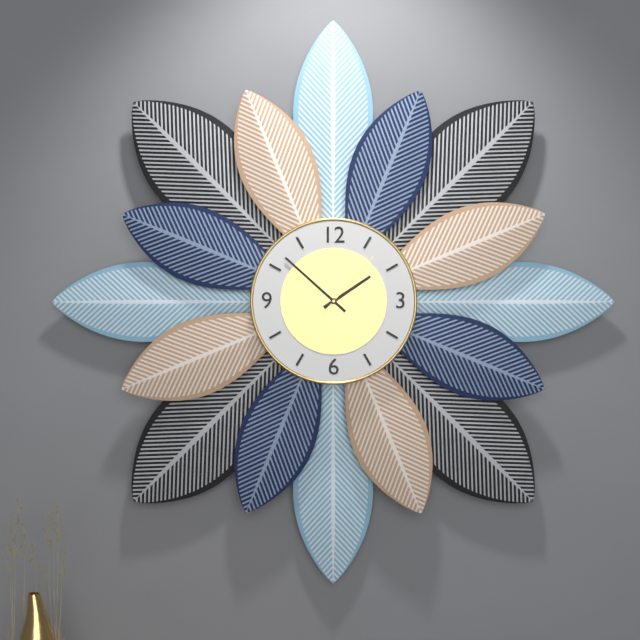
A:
1,52,07
